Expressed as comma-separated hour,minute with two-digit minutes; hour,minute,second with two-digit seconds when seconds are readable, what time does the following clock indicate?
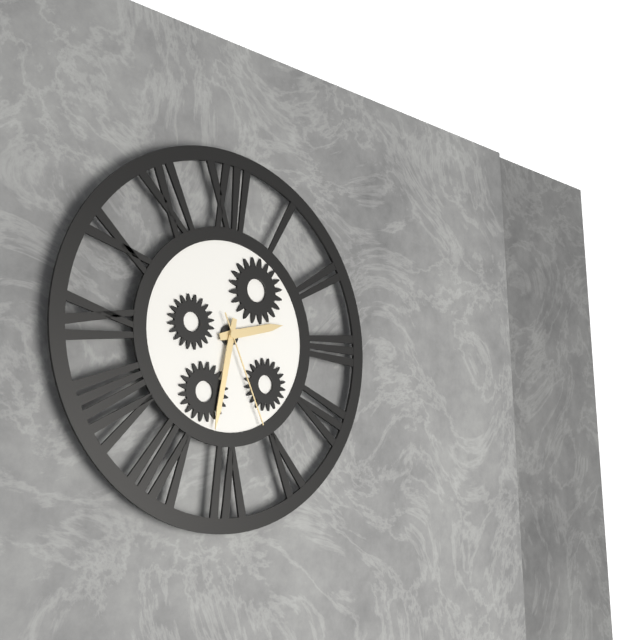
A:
2,32,26
